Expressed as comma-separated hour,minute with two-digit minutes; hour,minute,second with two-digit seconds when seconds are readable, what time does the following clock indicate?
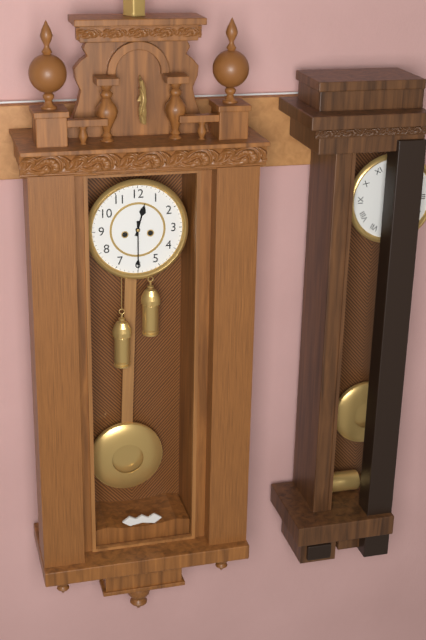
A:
12,30
